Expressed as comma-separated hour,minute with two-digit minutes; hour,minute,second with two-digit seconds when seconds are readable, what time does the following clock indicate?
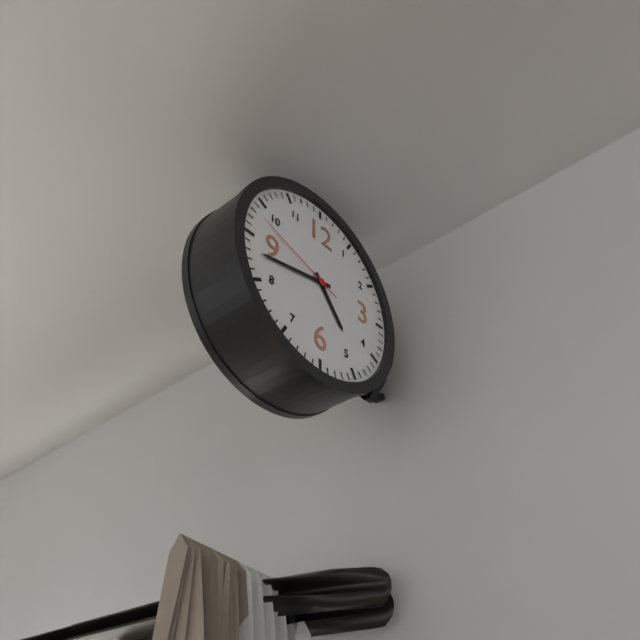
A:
4,43,48
